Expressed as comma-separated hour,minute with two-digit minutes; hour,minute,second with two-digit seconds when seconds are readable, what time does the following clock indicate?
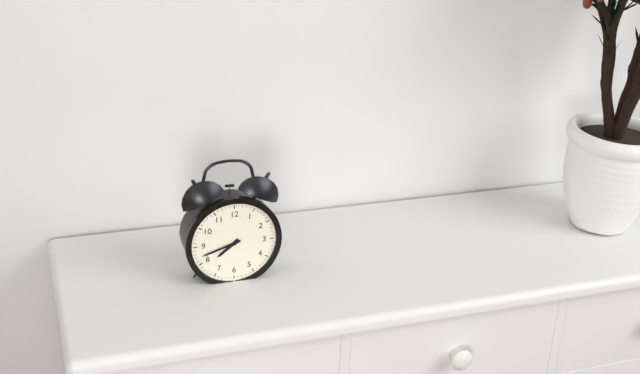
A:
7,42
